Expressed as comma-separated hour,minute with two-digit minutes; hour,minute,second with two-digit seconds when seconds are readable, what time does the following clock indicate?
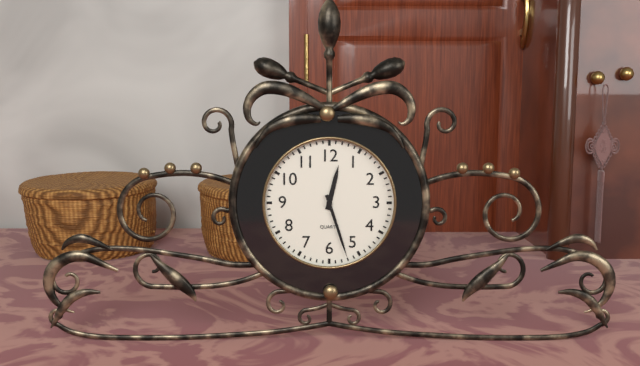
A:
12,27
